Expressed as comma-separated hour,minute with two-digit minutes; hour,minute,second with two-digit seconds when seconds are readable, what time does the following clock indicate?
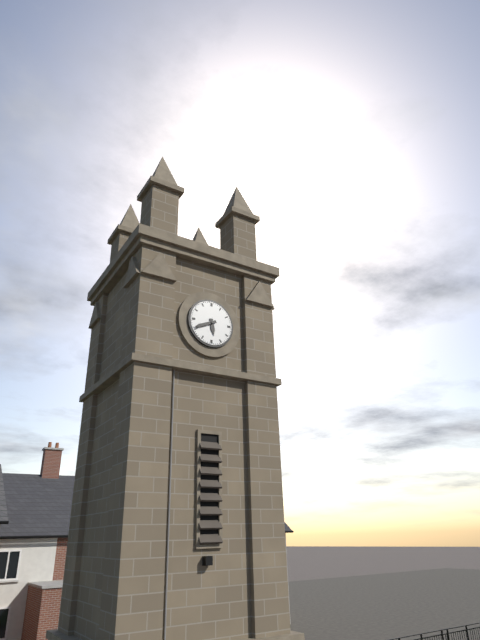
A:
5,41
